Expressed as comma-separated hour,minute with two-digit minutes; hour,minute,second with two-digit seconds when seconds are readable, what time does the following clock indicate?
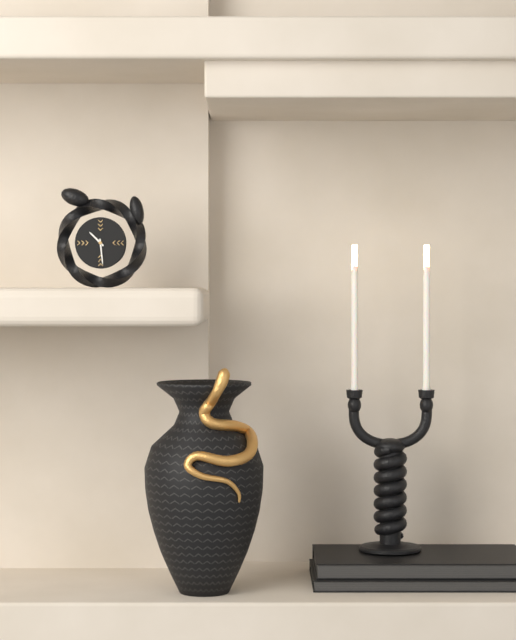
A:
10,29
